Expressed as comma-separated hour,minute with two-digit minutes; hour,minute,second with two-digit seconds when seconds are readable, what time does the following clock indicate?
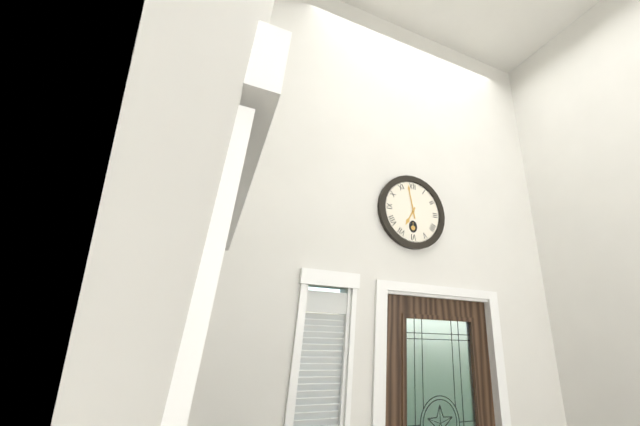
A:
6,58
